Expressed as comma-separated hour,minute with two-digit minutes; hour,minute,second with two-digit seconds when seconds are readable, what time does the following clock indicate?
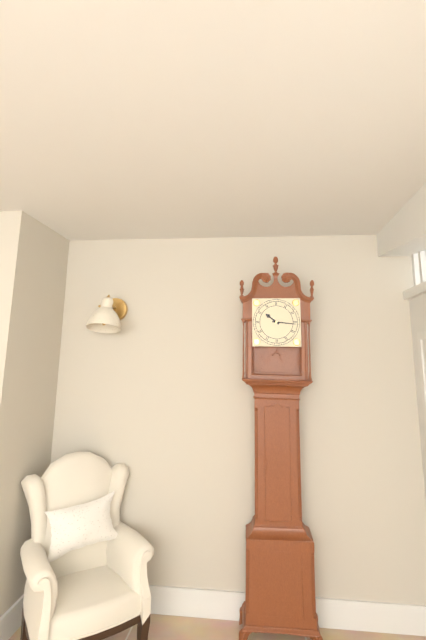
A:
10,16
